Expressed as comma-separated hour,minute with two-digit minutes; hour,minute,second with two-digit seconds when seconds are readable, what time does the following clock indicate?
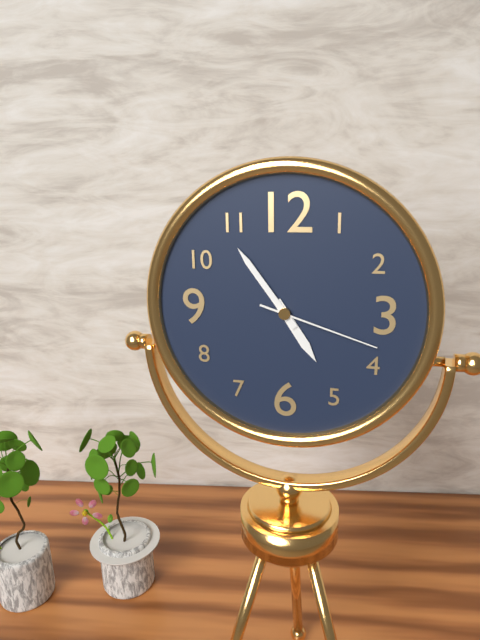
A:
4,54,18
